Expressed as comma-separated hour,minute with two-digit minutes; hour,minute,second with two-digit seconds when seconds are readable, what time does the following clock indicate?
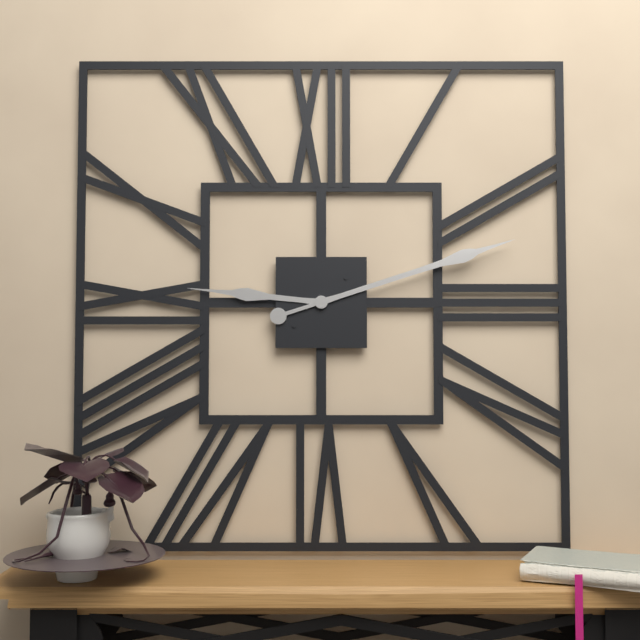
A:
9,12
